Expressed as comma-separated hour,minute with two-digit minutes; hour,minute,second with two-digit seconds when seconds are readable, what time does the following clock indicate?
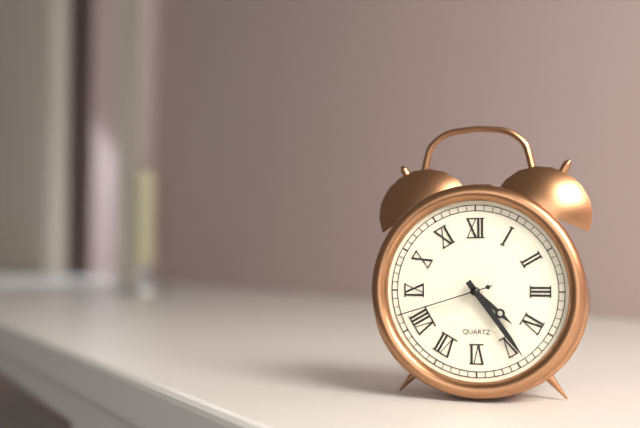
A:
4,24,42
